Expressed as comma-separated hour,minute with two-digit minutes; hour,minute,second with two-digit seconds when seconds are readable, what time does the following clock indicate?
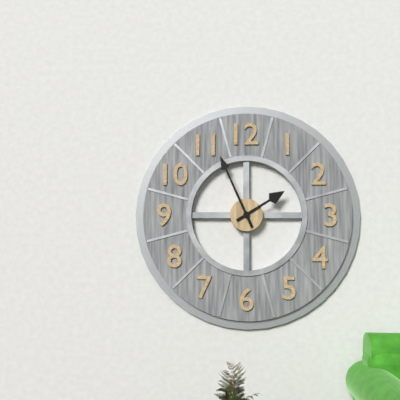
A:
1,56
